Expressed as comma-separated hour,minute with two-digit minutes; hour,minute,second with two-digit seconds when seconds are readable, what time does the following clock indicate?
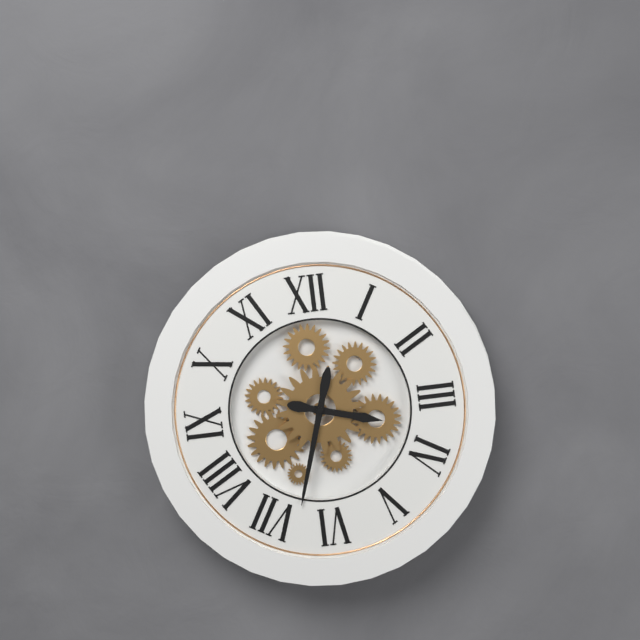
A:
3,33
